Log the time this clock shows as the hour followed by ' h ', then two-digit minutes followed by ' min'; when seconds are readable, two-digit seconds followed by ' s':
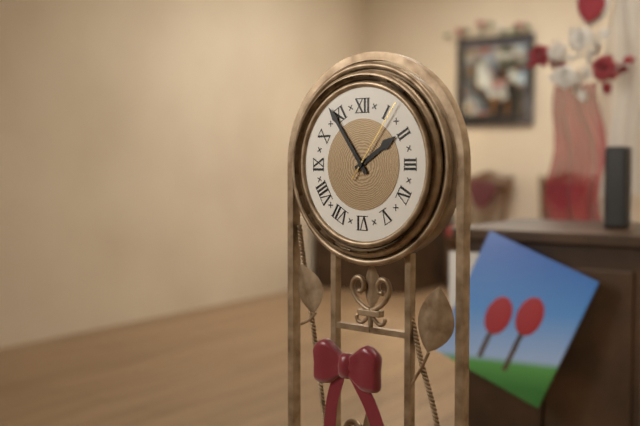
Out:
1 h 54 min 06 s
